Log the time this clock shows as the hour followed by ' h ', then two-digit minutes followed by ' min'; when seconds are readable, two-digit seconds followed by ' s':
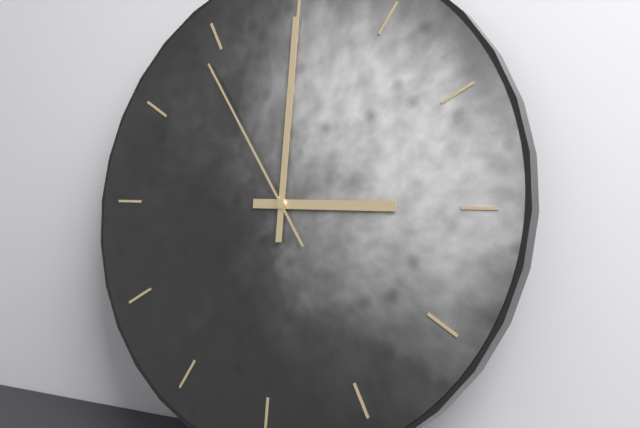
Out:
3 h 00 min 54 s
